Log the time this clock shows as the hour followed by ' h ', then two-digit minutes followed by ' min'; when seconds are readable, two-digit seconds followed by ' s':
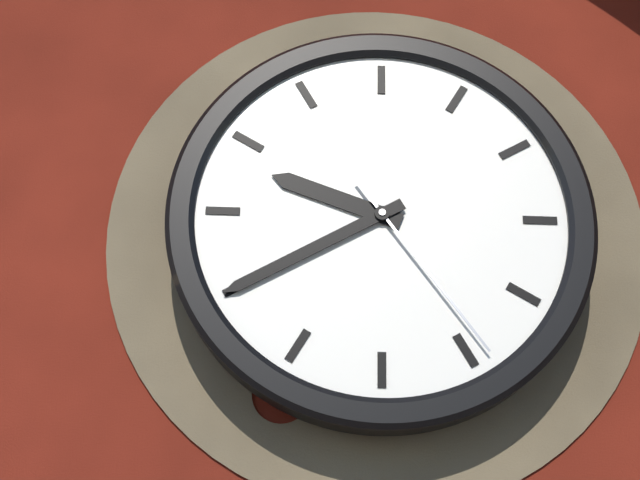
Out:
9 h 40 min 24 s
